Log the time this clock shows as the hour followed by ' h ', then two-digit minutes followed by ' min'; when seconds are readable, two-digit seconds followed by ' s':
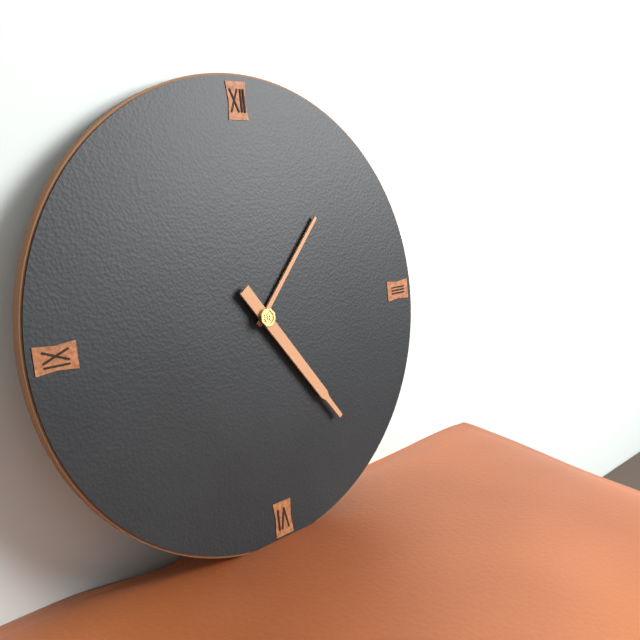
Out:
1 h 24 min
